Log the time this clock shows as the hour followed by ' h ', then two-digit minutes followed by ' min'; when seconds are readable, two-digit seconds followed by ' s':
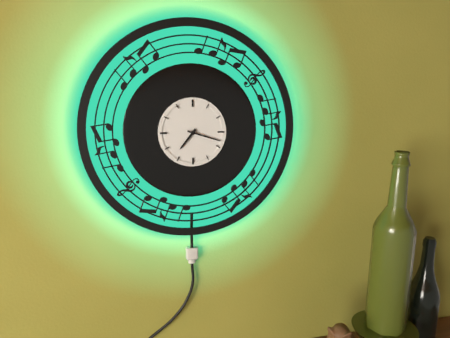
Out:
7 h 18 min
